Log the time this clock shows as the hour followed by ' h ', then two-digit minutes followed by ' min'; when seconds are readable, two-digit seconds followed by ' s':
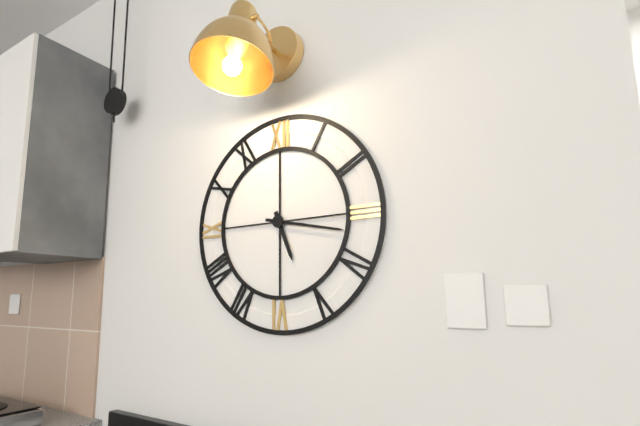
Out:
5 h 17 min
